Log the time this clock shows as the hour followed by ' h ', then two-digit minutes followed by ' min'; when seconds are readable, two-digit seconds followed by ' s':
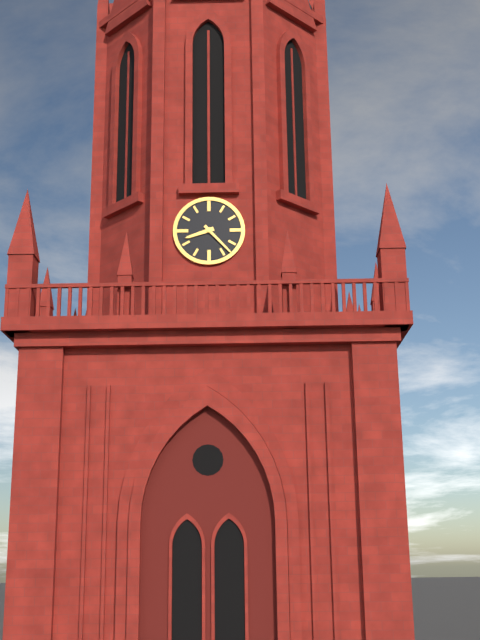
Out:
8 h 23 min
